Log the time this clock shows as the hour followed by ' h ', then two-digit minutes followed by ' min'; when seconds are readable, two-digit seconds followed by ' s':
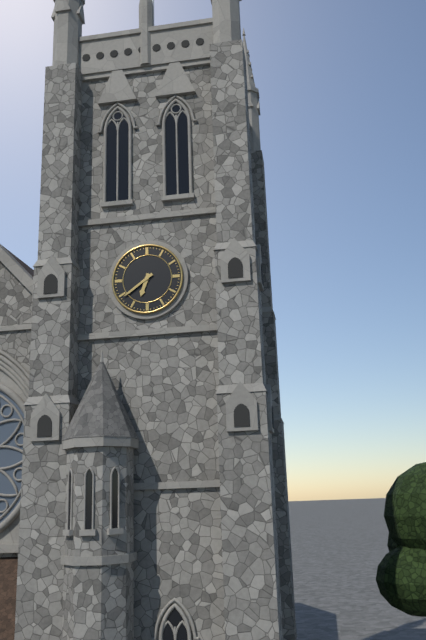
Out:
6 h 39 min
